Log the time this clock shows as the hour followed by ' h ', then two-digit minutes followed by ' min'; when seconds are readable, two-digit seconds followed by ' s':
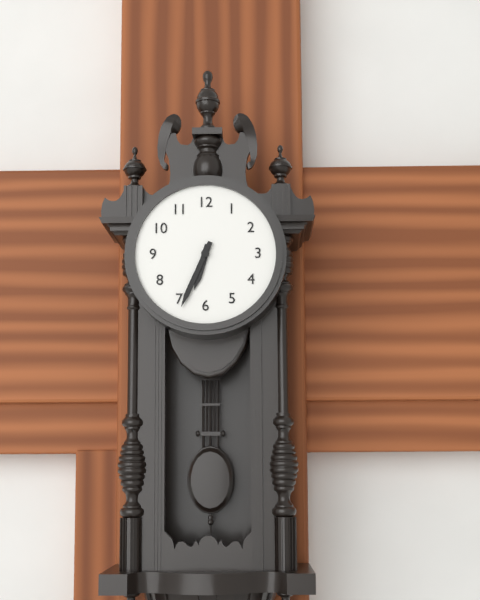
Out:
6 h 34 min
